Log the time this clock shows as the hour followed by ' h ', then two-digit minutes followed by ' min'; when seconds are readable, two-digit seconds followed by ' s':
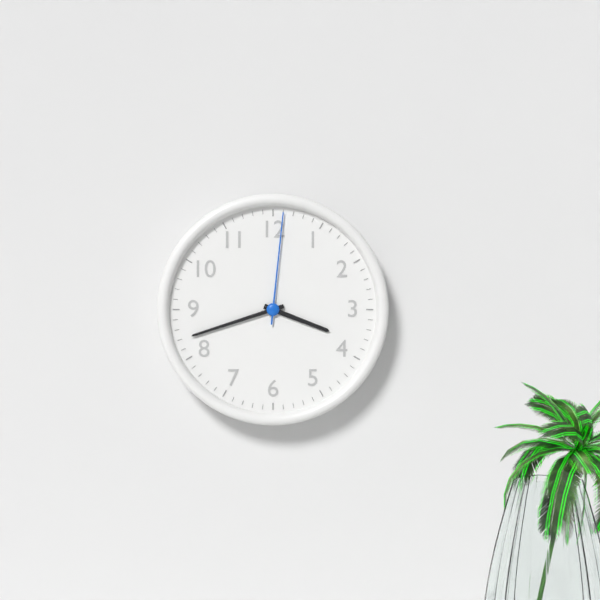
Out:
3 h 42 min 01 s
